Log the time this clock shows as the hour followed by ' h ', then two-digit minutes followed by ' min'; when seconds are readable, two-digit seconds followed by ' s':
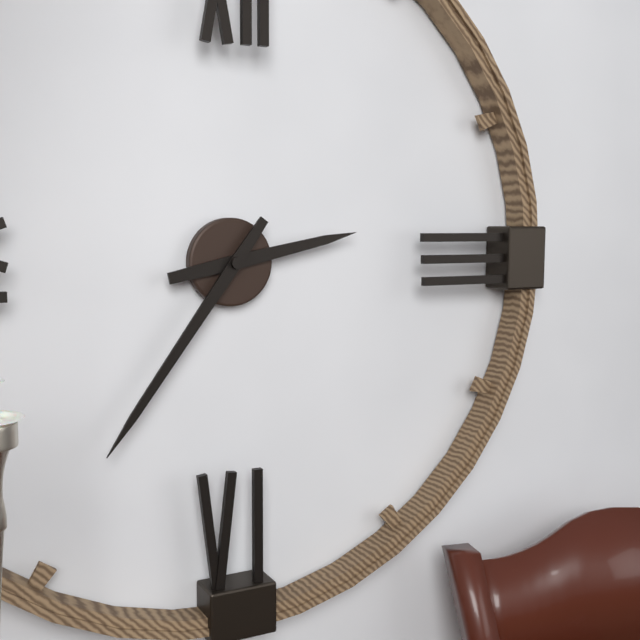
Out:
2 h 36 min
